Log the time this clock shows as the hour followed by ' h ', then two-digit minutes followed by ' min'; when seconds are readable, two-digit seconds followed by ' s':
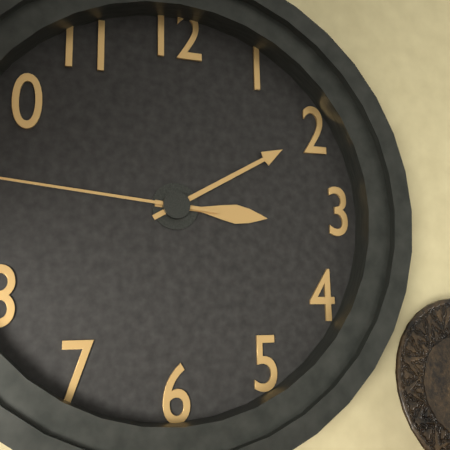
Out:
3 h 10 min
